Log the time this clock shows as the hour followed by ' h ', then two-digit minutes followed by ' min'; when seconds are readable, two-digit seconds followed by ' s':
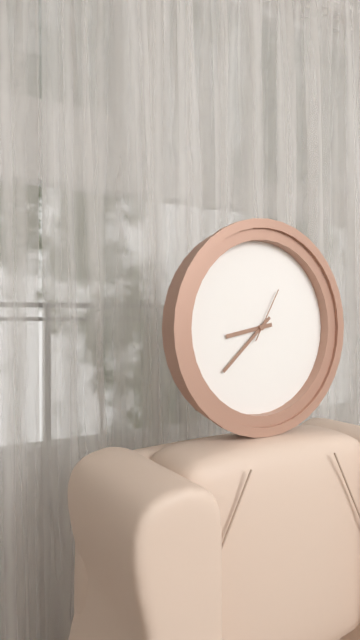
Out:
8 h 38 min 05 s
